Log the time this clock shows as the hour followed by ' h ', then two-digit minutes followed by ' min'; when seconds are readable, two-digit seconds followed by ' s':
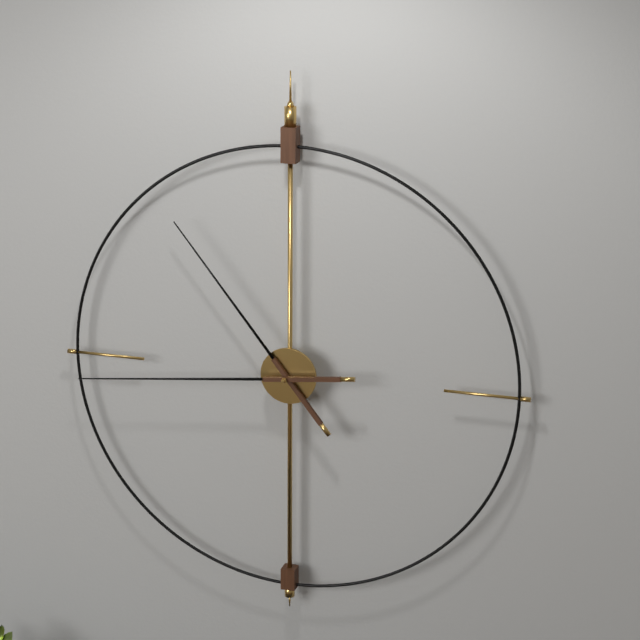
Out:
10 h 44 min
